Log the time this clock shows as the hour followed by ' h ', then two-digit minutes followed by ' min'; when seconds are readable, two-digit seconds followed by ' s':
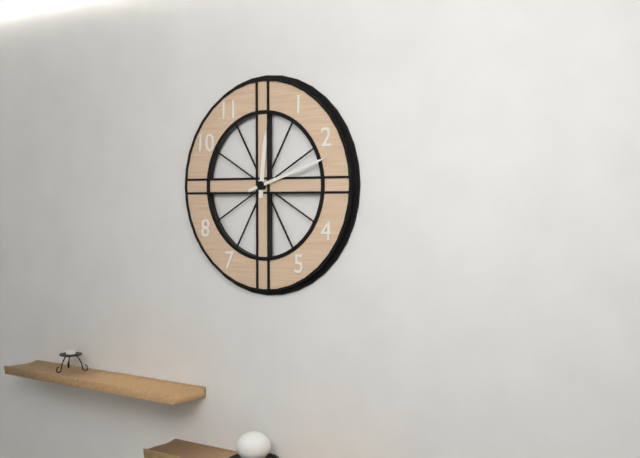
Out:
12 h 12 min
